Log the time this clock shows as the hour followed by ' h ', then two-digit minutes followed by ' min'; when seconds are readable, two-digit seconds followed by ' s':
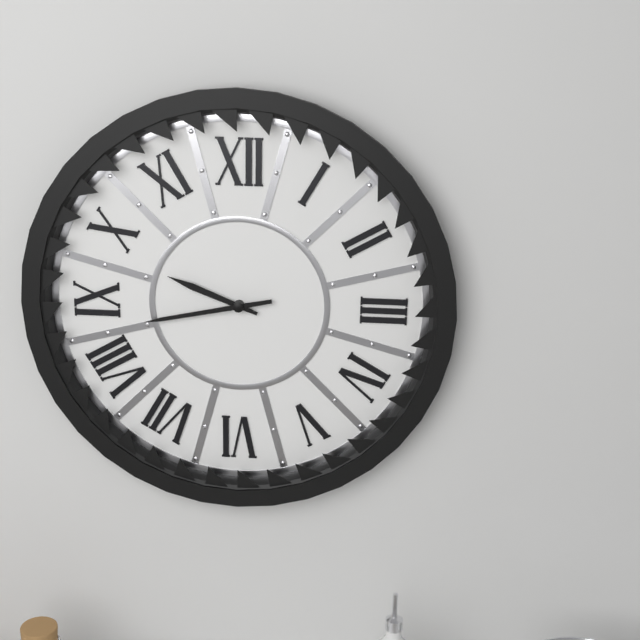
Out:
9 h 43 min
